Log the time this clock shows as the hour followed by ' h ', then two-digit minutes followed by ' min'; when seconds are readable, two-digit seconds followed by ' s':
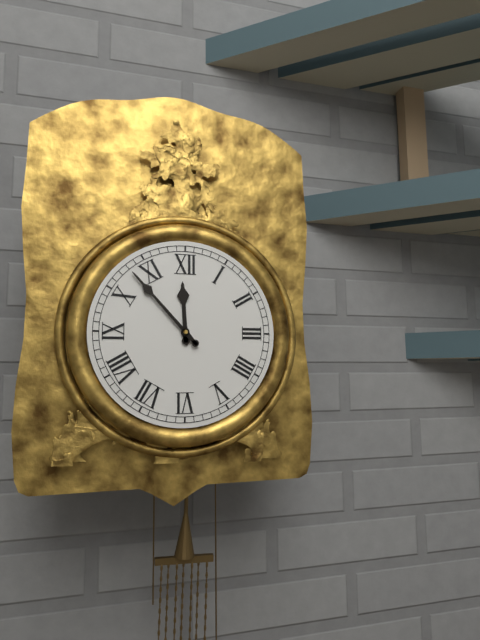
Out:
11 h 53 min
